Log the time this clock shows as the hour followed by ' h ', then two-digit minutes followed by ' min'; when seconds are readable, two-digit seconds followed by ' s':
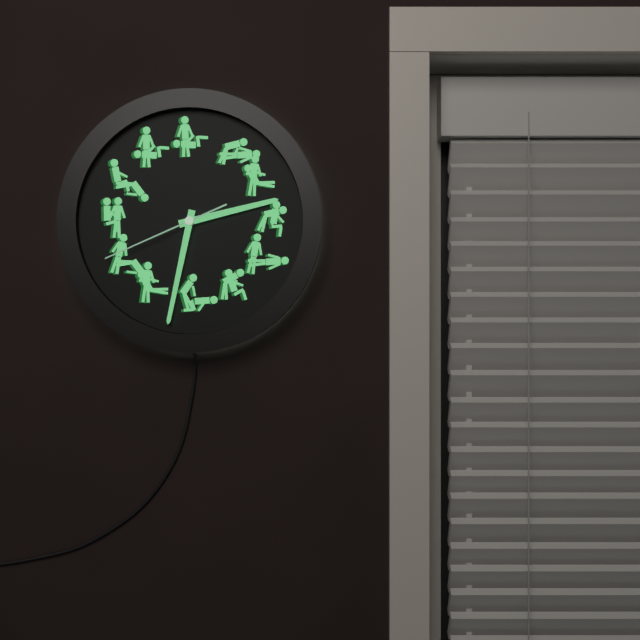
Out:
2 h 32 min 41 s
